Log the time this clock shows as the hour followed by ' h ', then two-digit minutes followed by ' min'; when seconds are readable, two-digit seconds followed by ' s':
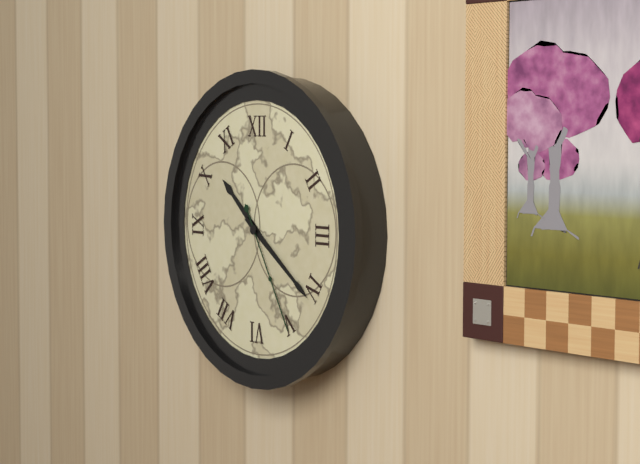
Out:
10 h 21 min 25 s
